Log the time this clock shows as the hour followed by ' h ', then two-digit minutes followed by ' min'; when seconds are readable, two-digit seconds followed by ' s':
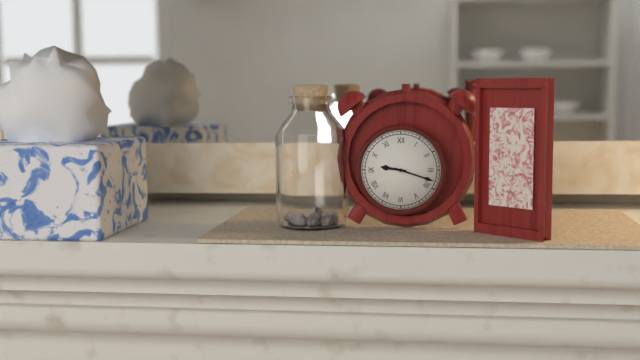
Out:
9 h 18 min
